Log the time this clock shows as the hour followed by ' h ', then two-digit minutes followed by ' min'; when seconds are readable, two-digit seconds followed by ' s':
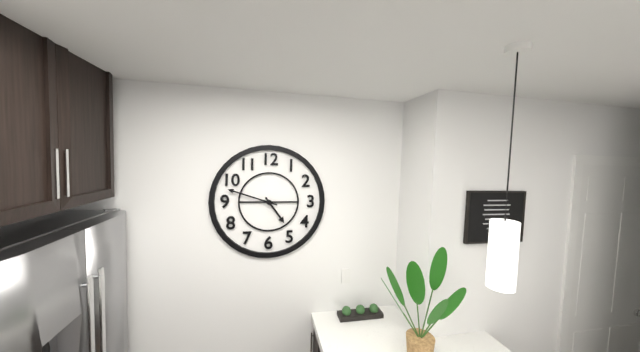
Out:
4 h 48 min
